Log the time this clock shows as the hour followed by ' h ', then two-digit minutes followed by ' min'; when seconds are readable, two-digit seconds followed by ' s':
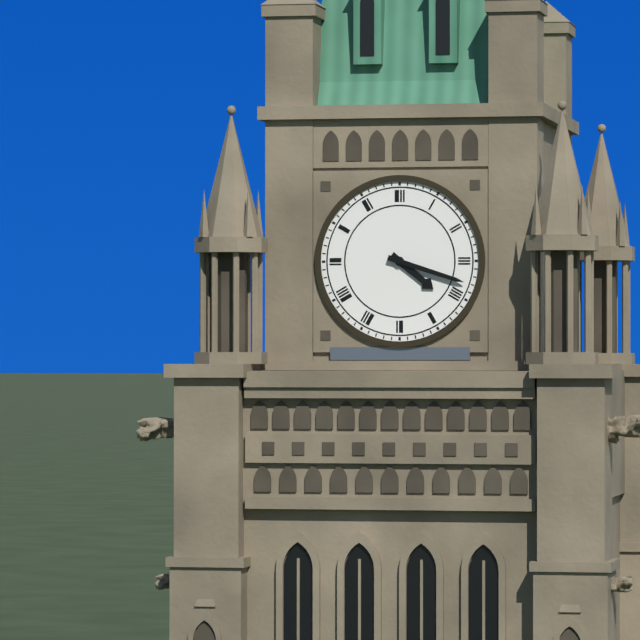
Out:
4 h 18 min
